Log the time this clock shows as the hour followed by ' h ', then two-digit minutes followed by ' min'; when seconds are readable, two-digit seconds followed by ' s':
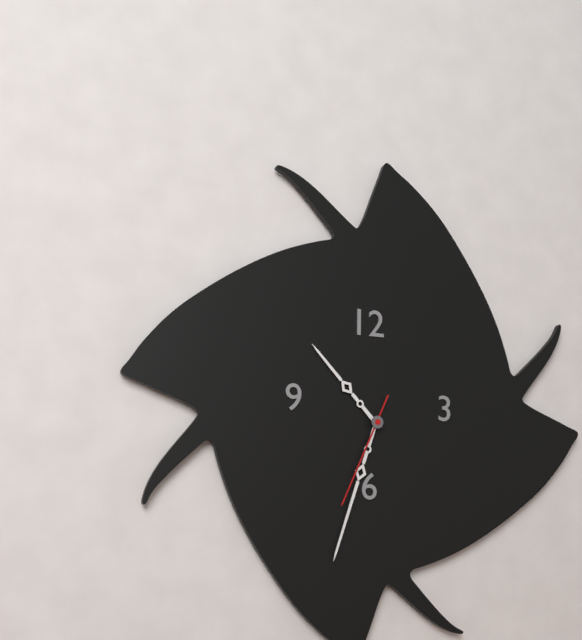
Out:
10 h 33 min 34 s
